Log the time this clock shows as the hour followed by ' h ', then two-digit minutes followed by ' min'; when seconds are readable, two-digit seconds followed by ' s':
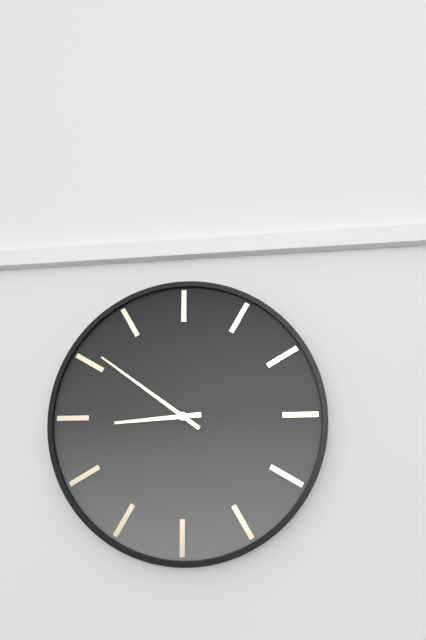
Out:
8 h 51 min
